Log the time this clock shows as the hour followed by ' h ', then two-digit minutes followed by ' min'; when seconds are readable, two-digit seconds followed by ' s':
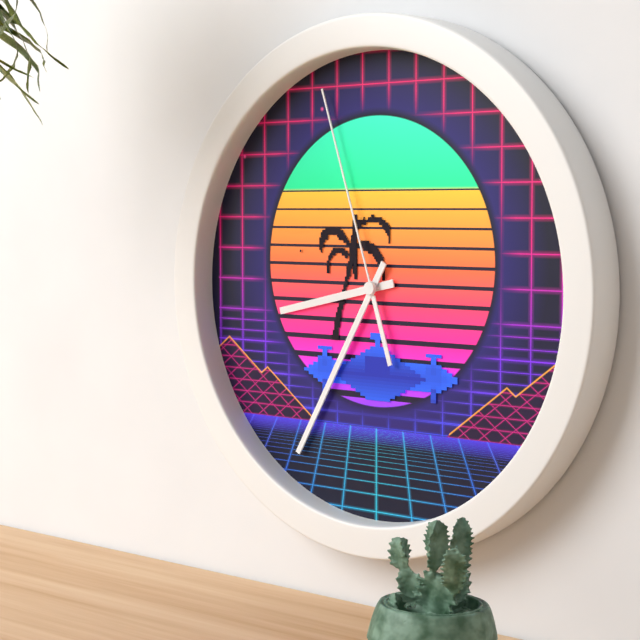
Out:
8 h 35 min 57 s
